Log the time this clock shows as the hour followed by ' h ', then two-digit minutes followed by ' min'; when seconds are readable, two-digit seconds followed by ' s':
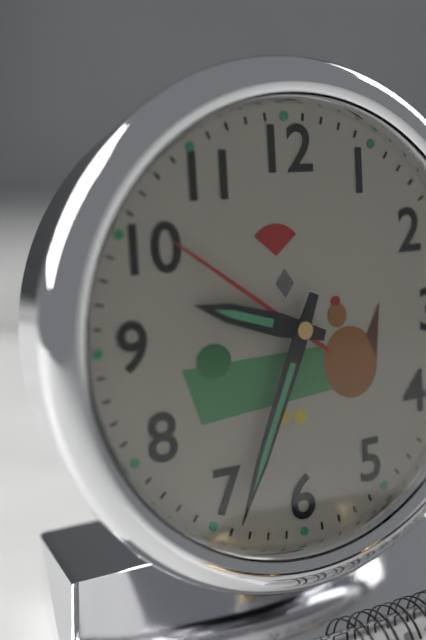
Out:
9 h 34 min
